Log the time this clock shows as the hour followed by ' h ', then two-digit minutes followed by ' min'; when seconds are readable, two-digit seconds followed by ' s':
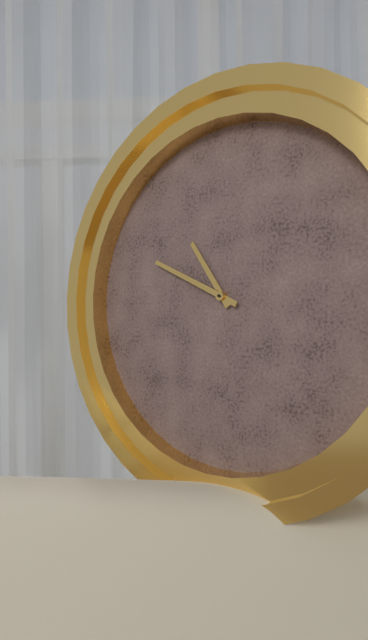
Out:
10 h 49 min
